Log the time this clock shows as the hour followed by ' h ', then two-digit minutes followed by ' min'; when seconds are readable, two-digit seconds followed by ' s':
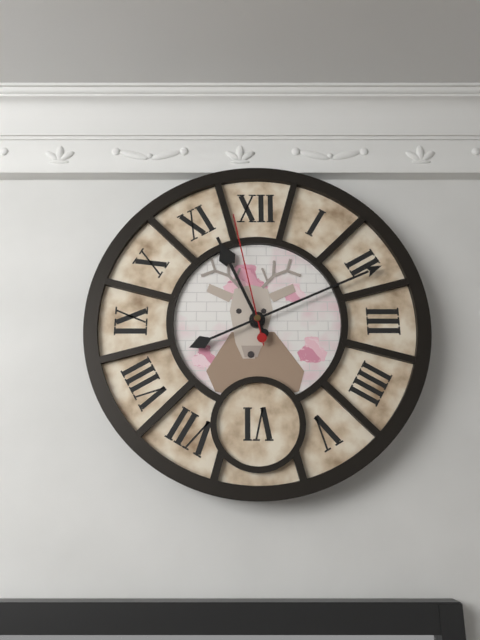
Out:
11 h 11 min 58 s
